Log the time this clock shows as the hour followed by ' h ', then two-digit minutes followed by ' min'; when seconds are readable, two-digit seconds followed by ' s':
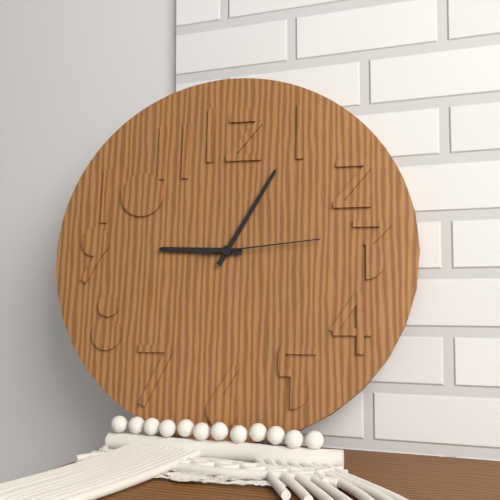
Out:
9 h 05 min 14 s
